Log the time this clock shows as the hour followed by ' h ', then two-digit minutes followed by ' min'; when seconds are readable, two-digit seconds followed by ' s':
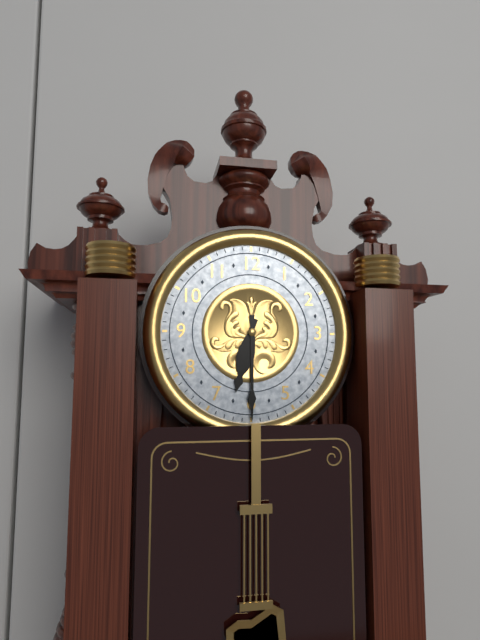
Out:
6 h 30 min
